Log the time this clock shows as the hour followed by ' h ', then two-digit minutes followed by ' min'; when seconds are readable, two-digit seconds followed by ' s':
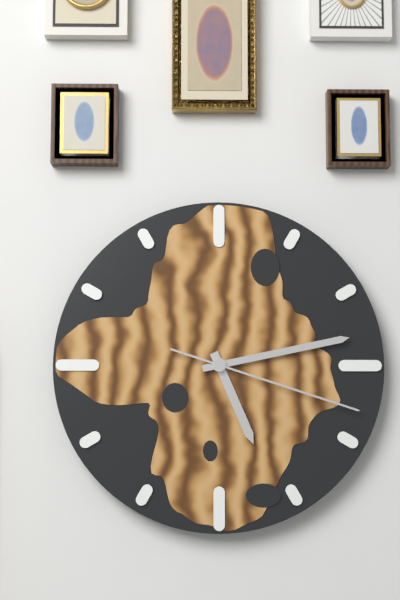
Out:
5 h 13 min 18 s
